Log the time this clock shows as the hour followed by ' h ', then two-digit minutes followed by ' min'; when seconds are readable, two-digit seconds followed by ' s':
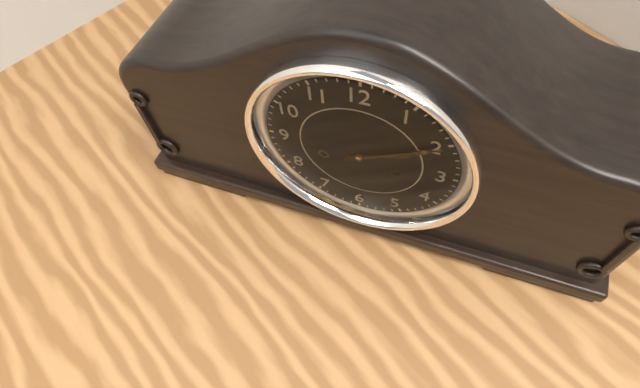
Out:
2 h 10 min
